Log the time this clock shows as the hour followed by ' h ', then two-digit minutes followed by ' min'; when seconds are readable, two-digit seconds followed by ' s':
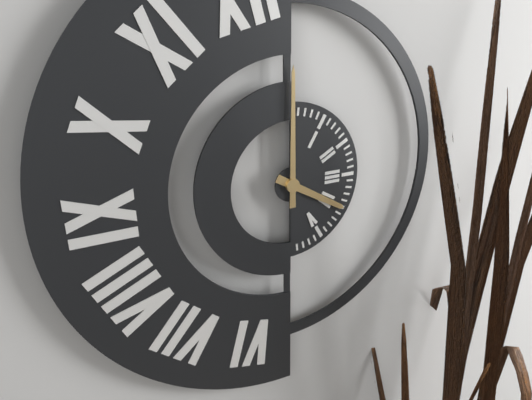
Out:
4 h 00 min
